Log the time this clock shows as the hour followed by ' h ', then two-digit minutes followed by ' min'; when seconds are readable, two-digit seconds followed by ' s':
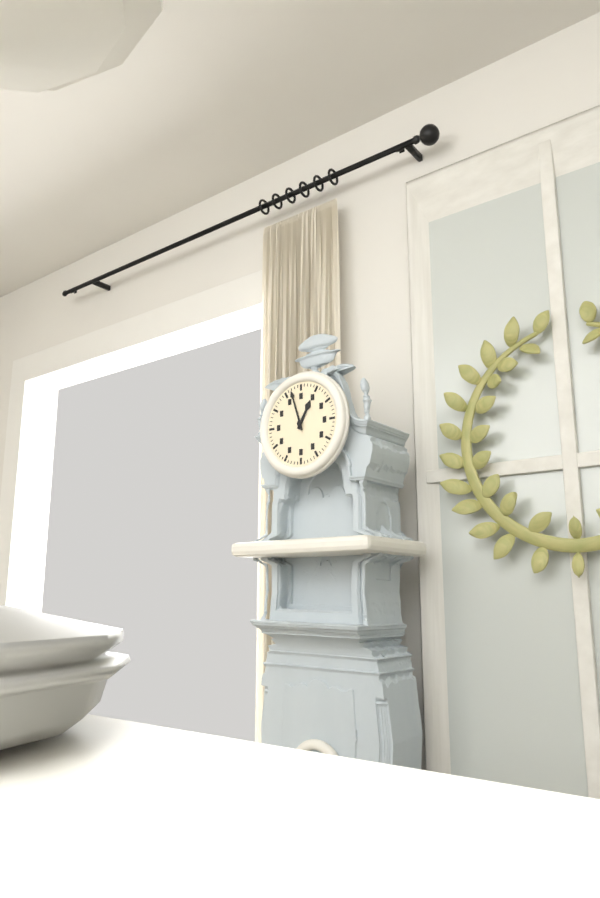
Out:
12 h 57 min
